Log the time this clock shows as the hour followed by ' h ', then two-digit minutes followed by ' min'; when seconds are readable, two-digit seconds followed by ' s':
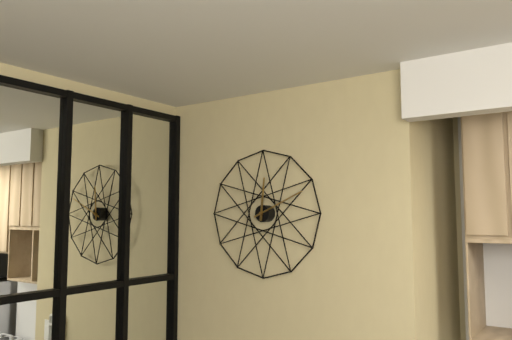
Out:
12 h 11 min
